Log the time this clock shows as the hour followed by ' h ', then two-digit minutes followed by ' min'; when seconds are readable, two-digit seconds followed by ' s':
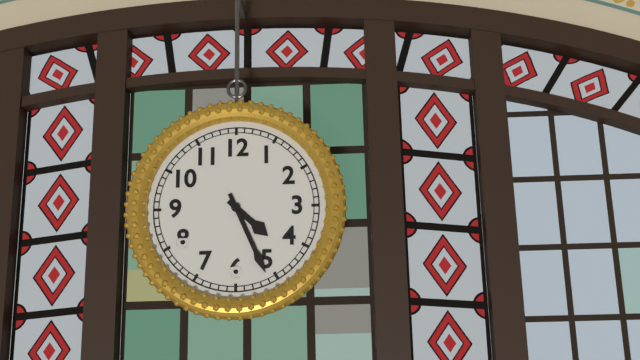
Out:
4 h 26 min
